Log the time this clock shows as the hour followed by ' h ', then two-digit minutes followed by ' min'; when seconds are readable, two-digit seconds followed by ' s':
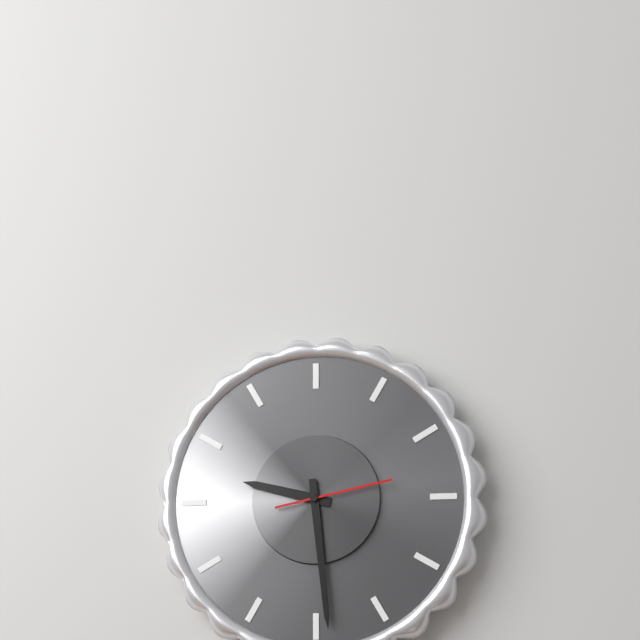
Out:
9 h 29 min 13 s
